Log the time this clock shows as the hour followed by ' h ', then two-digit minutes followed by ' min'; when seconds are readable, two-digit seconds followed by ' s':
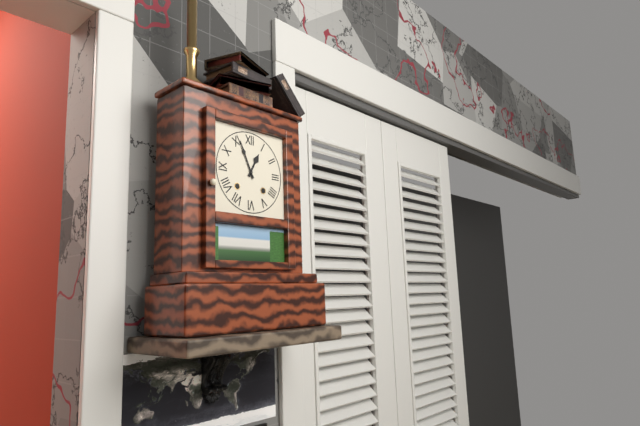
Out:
12 h 56 min
